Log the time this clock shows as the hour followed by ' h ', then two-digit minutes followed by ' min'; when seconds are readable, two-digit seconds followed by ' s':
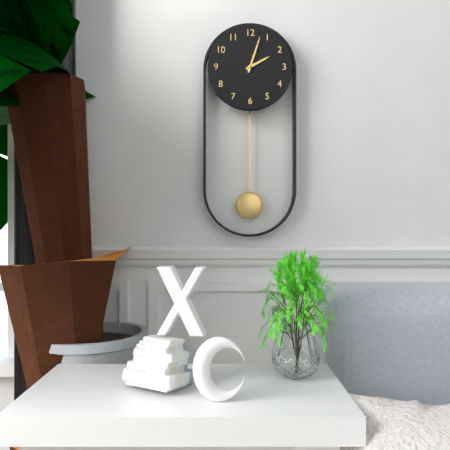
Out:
2 h 03 min
